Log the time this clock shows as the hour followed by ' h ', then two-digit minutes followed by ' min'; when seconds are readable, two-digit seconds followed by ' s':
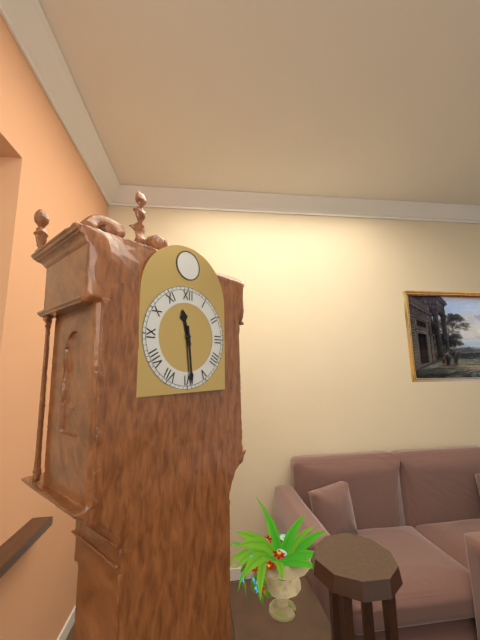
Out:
11 h 29 min
